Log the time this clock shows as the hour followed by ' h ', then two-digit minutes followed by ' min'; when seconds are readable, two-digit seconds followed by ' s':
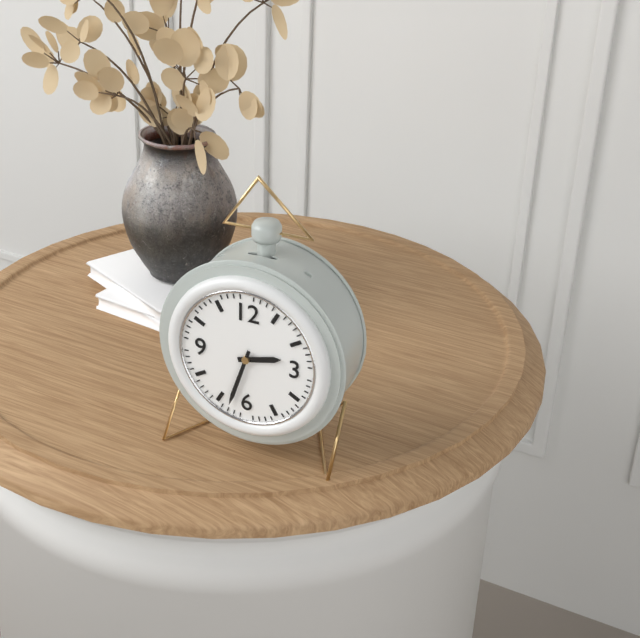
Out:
2 h 33 min
